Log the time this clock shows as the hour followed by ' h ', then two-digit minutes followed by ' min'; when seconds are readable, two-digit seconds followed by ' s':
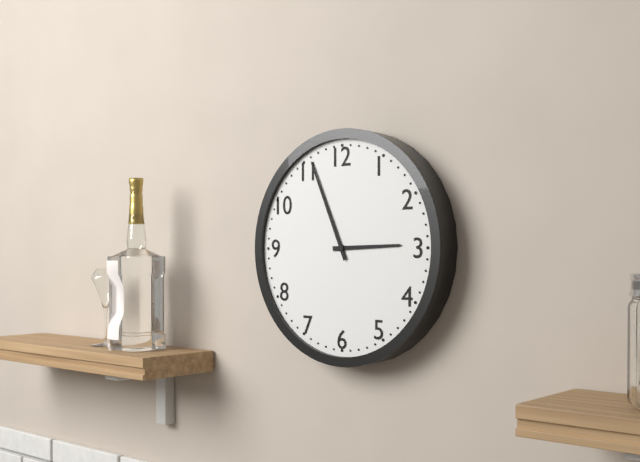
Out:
2 h 56 min
